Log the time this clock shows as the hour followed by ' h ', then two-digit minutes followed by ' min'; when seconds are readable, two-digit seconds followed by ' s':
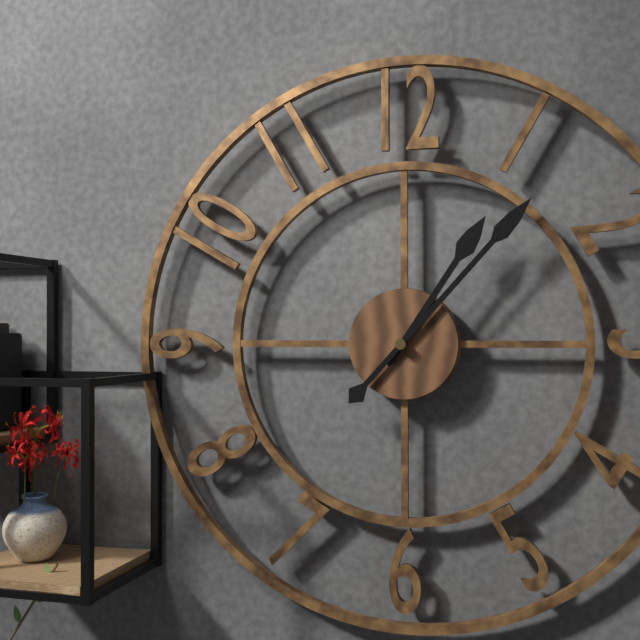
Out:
1 h 07 min
